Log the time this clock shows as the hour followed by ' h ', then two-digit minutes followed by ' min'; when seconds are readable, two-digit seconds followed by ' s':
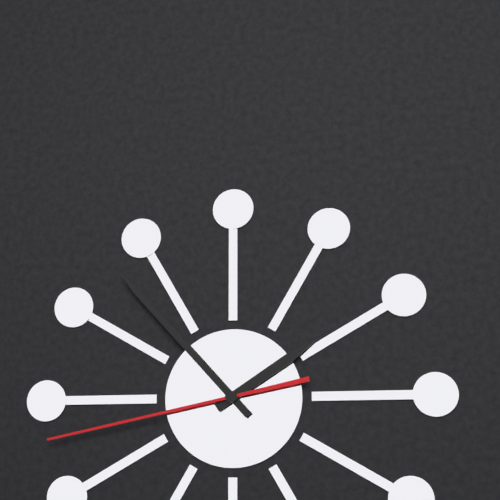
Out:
1 h 53 min 43 s
